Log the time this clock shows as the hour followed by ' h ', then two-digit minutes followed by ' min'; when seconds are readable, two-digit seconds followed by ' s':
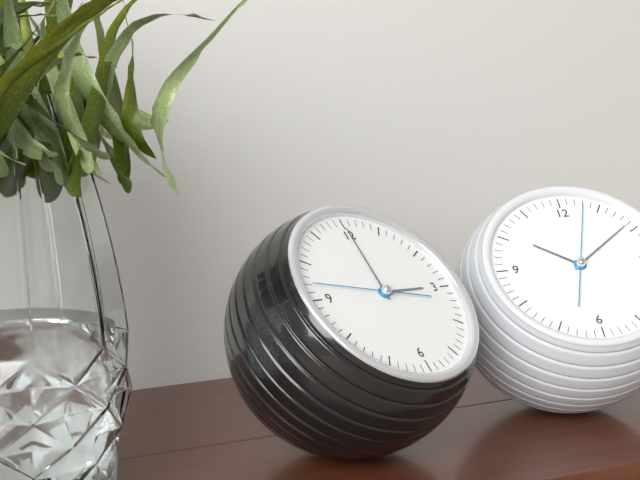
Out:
3 h 00 min 47 s
